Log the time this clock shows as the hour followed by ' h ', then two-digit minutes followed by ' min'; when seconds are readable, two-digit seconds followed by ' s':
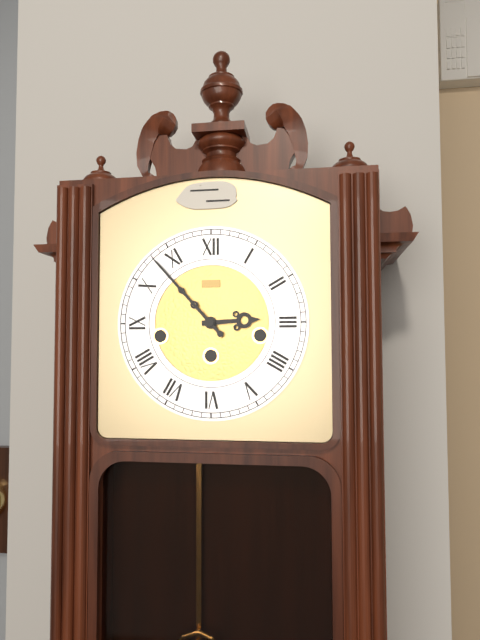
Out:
2 h 53 min
